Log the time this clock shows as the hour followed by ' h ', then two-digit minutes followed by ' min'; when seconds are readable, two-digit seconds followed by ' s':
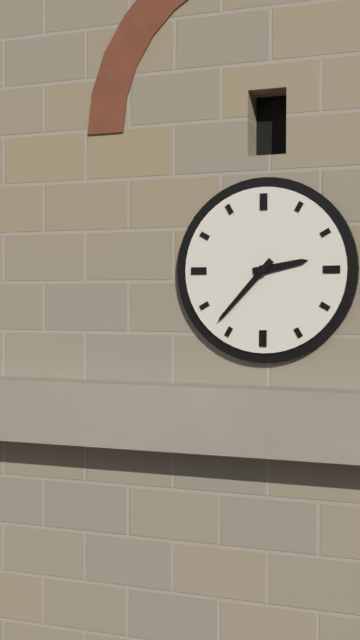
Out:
2 h 37 min
